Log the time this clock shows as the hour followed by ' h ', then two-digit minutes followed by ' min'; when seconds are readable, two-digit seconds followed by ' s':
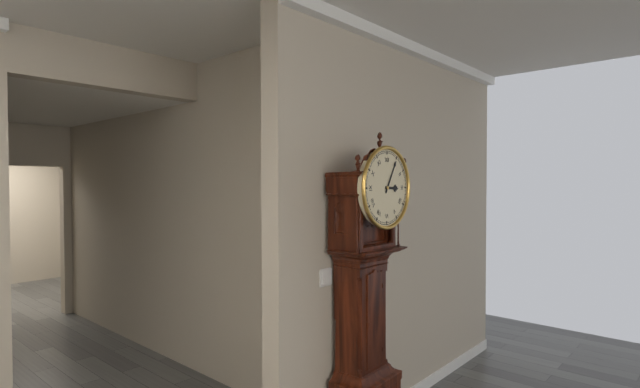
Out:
3 h 05 min
